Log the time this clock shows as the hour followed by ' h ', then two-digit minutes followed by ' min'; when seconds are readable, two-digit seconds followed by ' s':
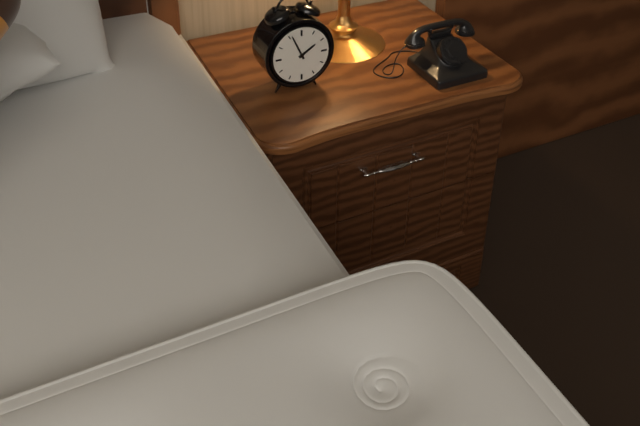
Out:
1 h 56 min
